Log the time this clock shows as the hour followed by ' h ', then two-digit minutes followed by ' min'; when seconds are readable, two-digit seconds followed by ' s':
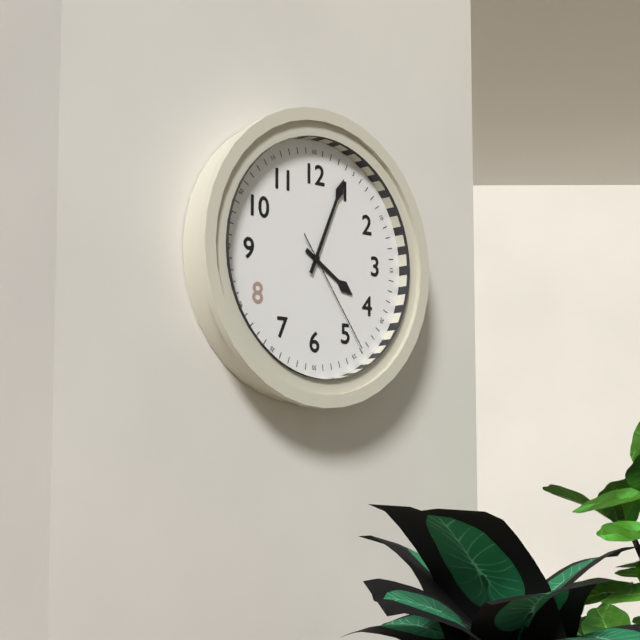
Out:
4 h 04 min 24 s
